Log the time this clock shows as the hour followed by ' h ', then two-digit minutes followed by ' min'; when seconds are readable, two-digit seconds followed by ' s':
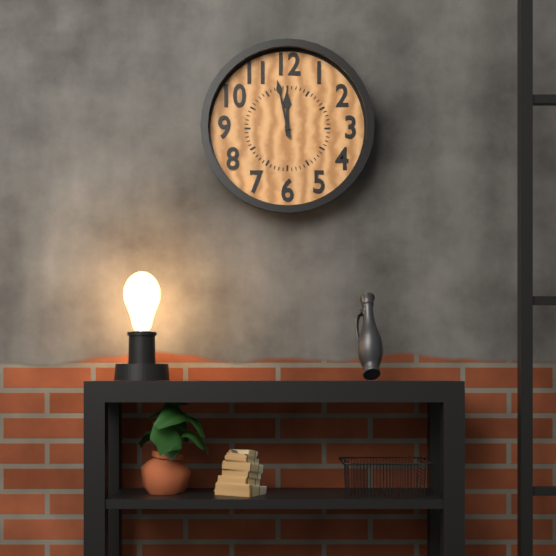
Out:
11 h 58 min
